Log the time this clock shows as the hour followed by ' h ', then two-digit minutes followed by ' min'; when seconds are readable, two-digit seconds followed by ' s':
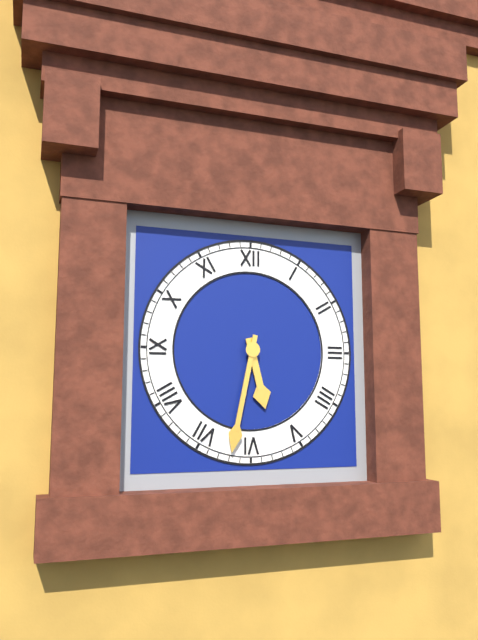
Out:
5 h 32 min
